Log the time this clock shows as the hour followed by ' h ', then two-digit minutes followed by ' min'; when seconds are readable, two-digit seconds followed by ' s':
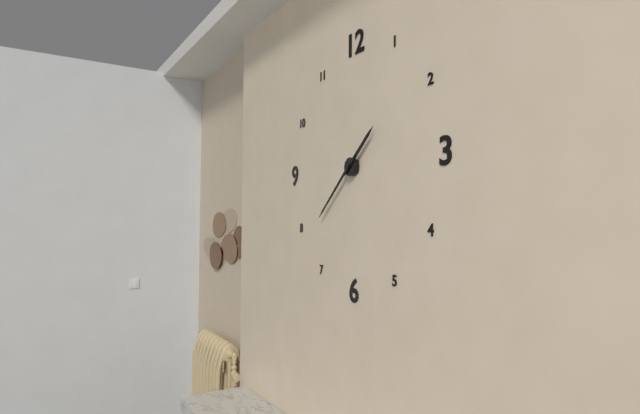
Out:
1 h 38 min
